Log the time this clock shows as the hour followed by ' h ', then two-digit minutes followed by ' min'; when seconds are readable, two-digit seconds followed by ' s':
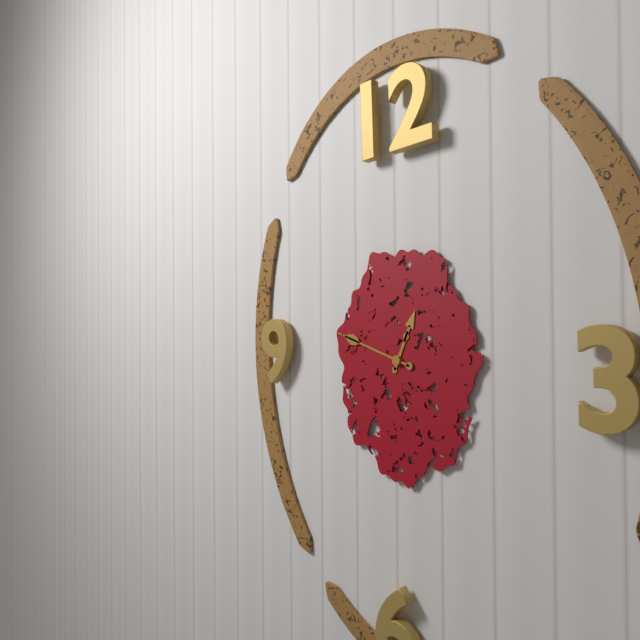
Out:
12 h 48 min
